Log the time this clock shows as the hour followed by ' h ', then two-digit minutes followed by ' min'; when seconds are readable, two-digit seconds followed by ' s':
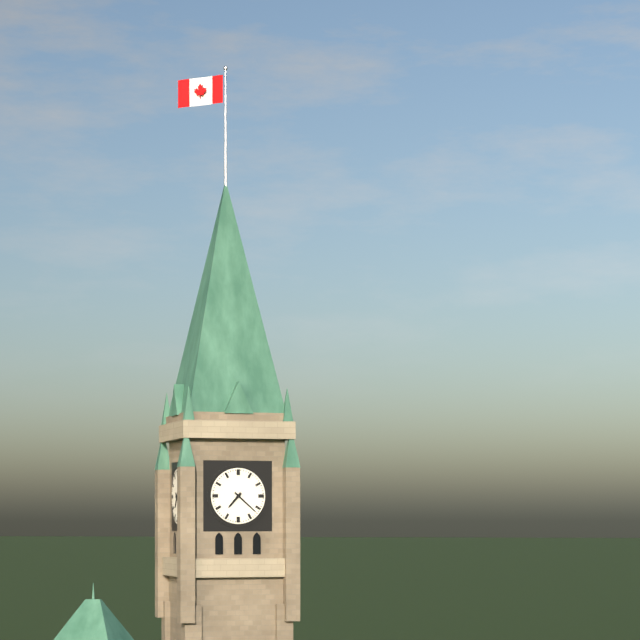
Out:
7 h 22 min
